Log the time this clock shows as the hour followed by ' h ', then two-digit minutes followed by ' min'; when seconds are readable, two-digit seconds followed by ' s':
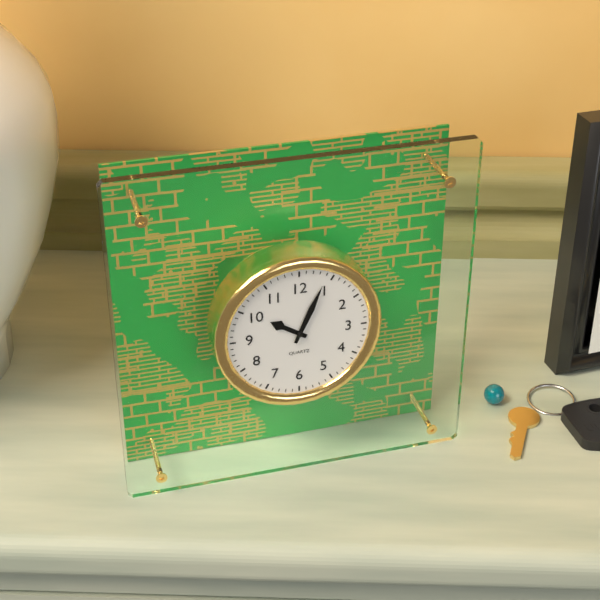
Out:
10 h 04 min
